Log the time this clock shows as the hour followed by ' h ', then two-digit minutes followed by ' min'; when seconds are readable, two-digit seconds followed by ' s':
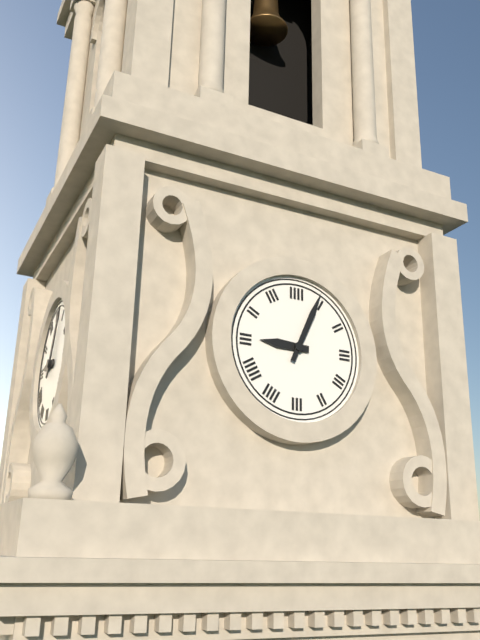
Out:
9 h 04 min
